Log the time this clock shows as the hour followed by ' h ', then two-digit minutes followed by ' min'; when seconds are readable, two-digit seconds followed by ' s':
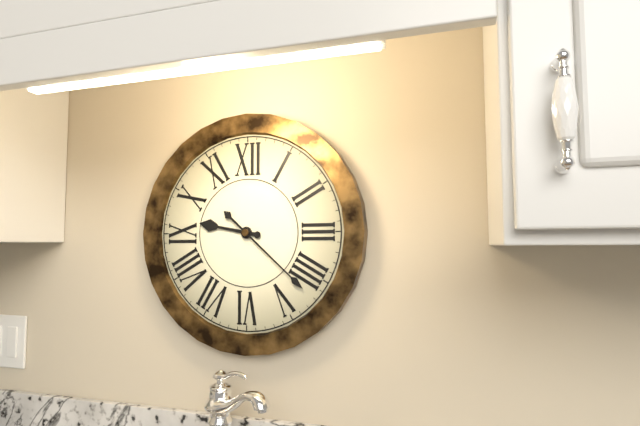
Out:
9 h 22 min
